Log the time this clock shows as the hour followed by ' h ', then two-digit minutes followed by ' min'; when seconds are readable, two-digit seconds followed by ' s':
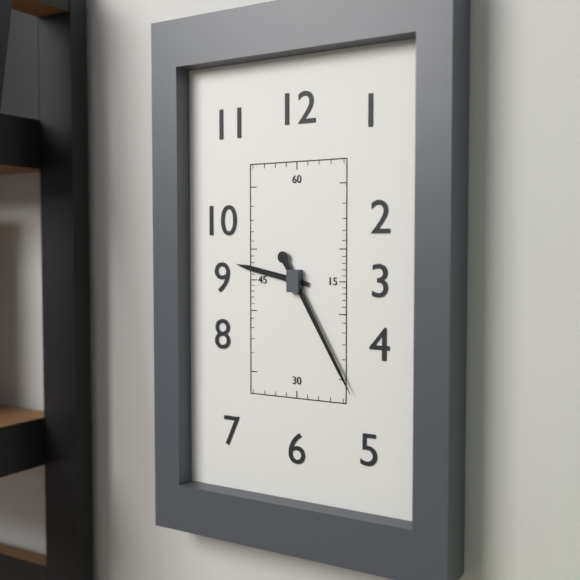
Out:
9 h 25 min
